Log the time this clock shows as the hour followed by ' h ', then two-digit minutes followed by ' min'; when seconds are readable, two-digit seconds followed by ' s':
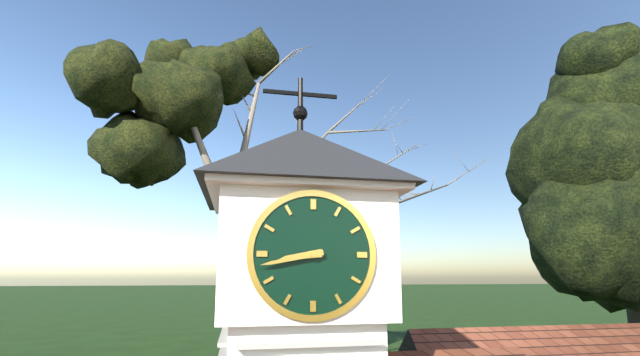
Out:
8 h 43 min
